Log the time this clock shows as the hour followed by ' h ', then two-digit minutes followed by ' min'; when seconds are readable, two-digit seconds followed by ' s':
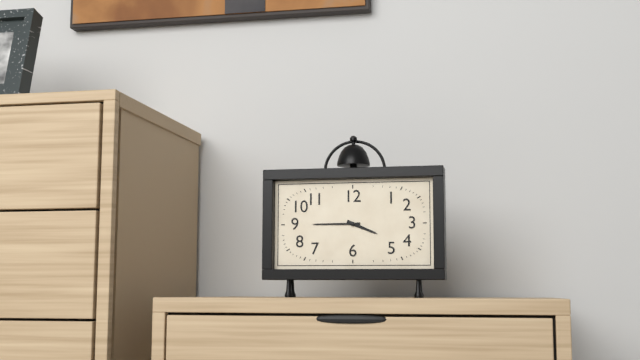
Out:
3 h 45 min
